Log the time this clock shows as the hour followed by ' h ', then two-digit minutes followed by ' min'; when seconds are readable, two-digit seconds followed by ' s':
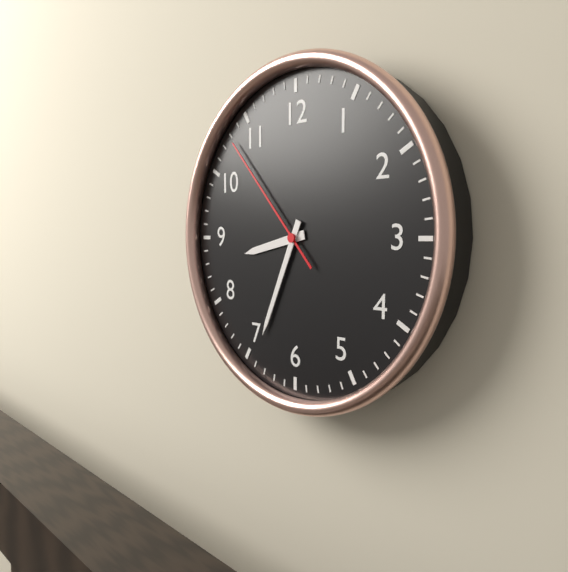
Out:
8 h 34 min 53 s
